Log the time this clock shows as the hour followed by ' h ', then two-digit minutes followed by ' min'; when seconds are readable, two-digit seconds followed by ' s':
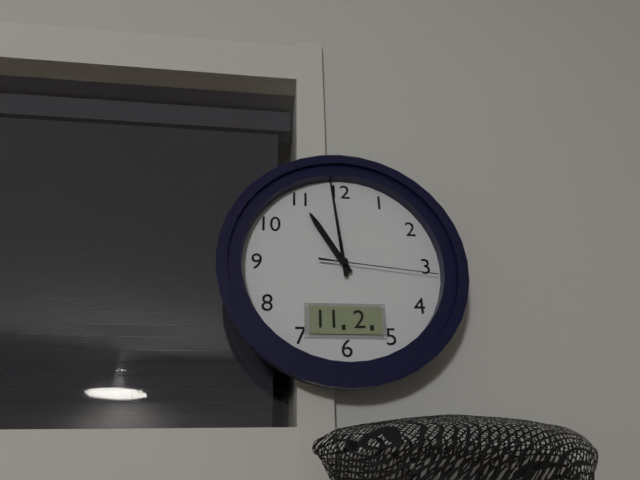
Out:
10 h 59 min 16 s
